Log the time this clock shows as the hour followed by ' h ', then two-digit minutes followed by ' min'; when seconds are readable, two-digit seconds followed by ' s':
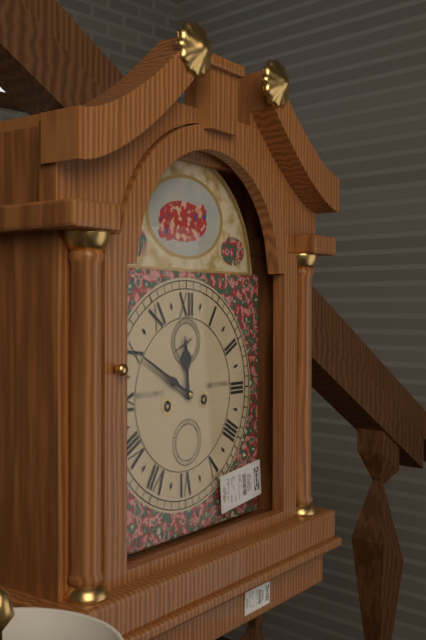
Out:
11 h 50 min
